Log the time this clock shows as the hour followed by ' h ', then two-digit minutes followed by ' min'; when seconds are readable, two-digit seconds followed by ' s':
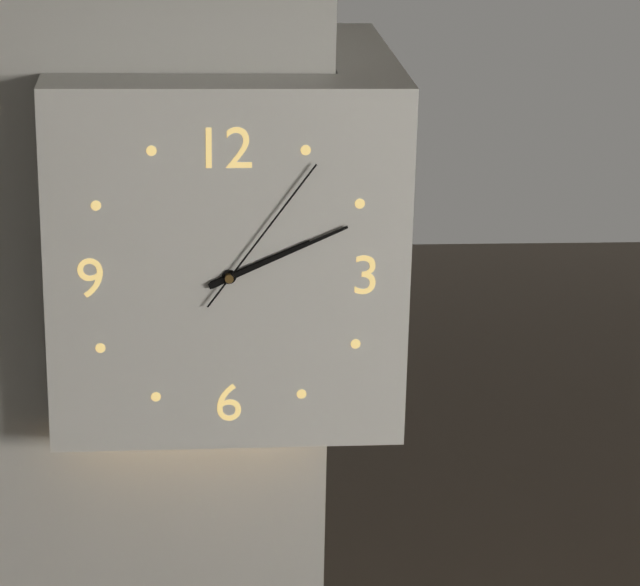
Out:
2 h 11 min 06 s
